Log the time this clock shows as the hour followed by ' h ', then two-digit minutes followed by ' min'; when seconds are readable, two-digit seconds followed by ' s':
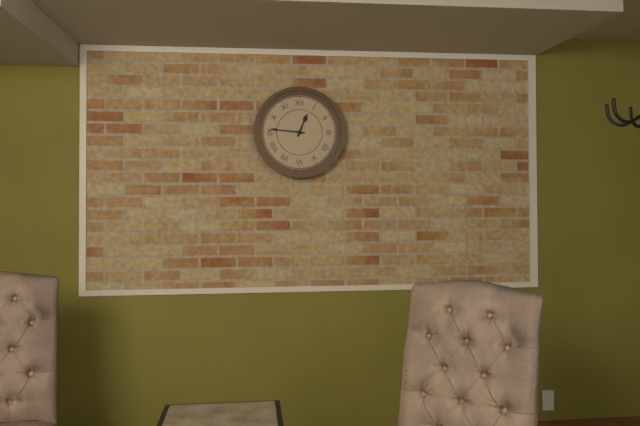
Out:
12 h 46 min
